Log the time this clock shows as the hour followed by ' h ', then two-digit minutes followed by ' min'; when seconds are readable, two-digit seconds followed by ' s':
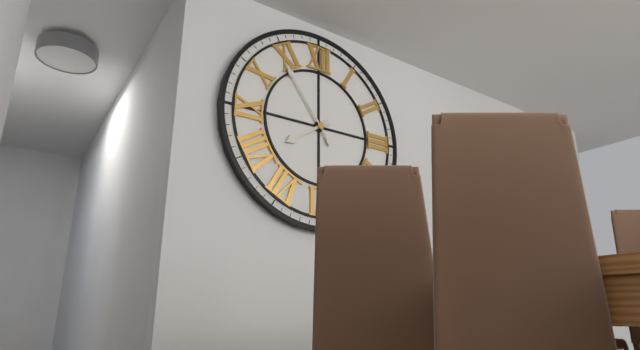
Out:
7 h 54 min
